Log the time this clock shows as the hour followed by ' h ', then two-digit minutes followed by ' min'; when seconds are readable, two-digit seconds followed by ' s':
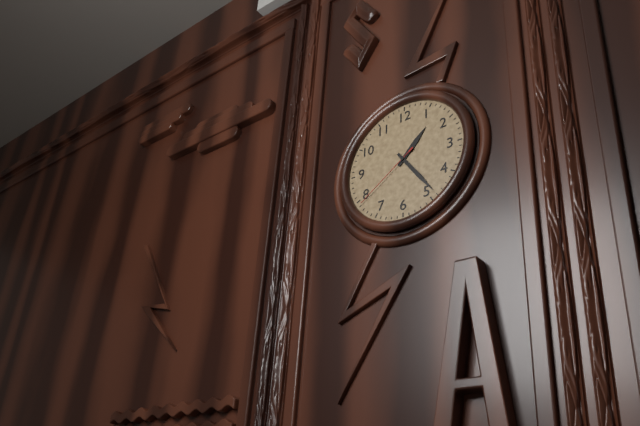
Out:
1 h 24 min 39 s
